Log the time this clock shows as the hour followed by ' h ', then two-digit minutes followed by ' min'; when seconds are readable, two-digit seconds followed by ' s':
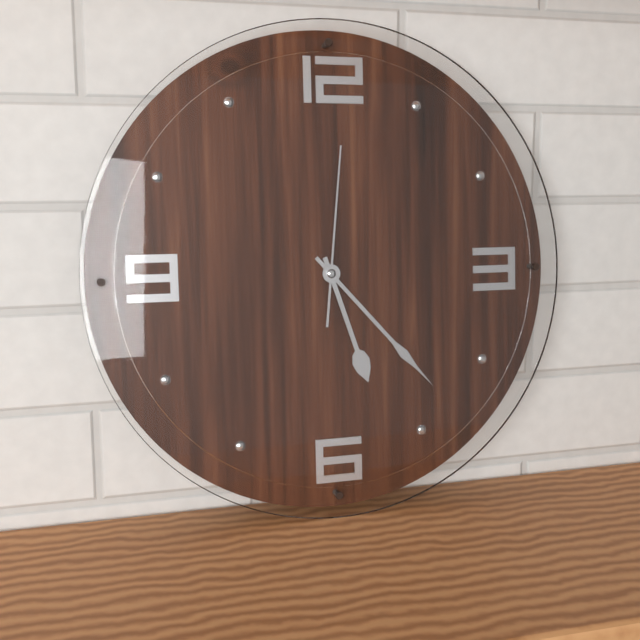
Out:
5 h 23 min 01 s
